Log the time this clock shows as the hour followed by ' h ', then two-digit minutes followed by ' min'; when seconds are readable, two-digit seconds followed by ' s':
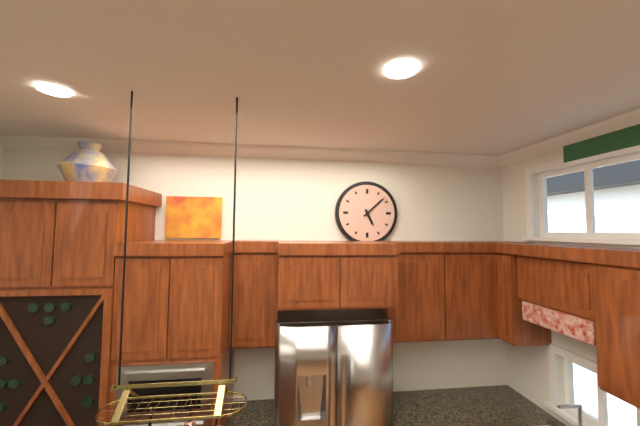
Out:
5 h 08 min
